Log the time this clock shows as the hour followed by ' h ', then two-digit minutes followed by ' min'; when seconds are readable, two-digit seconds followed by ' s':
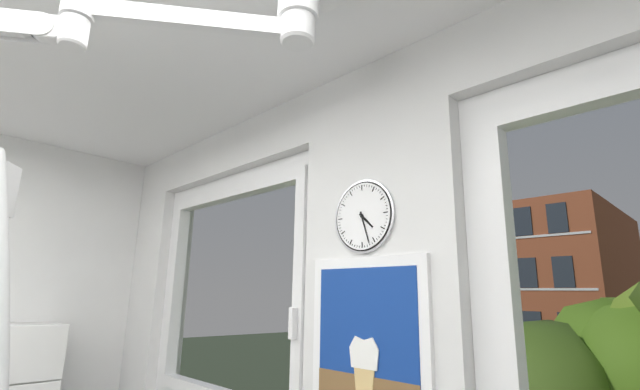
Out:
4 h 27 min
